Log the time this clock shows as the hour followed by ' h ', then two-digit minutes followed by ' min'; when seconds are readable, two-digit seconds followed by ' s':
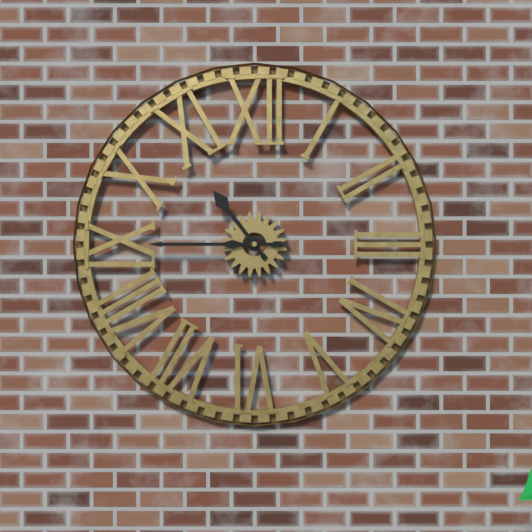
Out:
10 h 45 min
